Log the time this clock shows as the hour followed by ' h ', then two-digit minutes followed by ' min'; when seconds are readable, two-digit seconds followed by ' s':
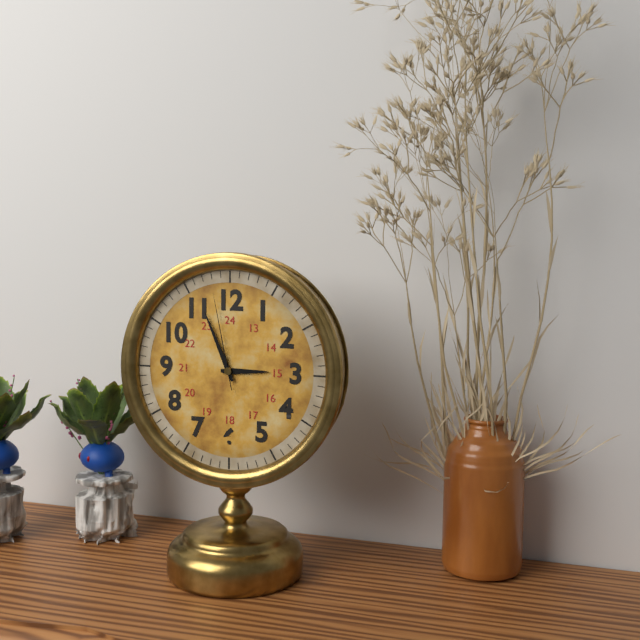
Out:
2 h 56 min 58 s
